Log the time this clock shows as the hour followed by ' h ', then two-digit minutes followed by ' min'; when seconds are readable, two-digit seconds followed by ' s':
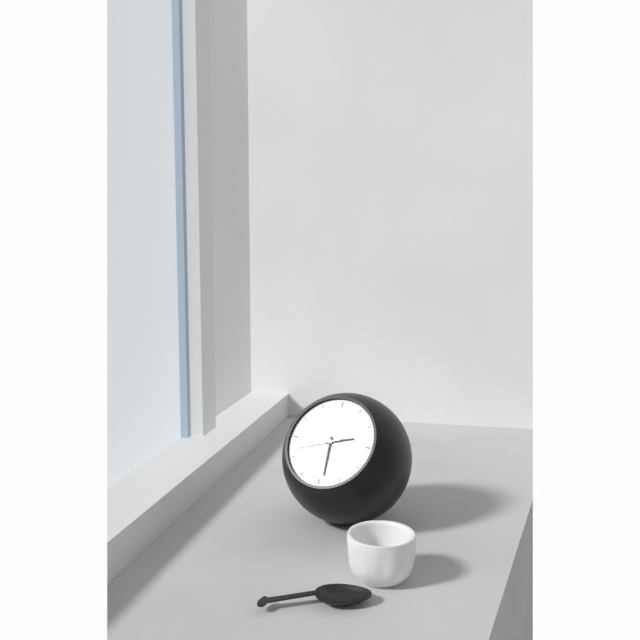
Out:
2 h 29 min 42 s
